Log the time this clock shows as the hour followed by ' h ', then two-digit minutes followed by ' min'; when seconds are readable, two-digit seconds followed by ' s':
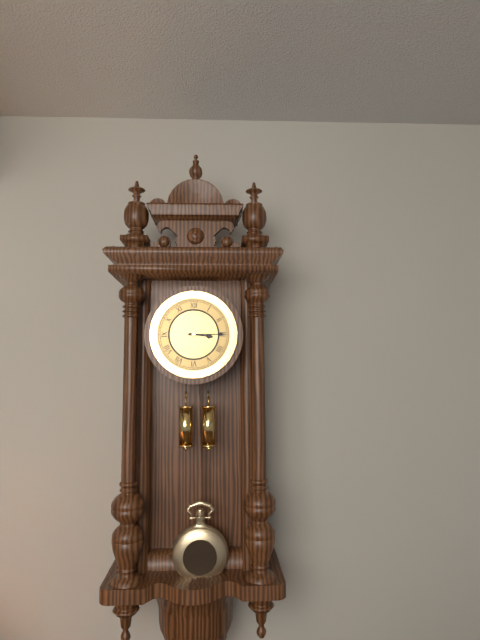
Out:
3 h 15 min
